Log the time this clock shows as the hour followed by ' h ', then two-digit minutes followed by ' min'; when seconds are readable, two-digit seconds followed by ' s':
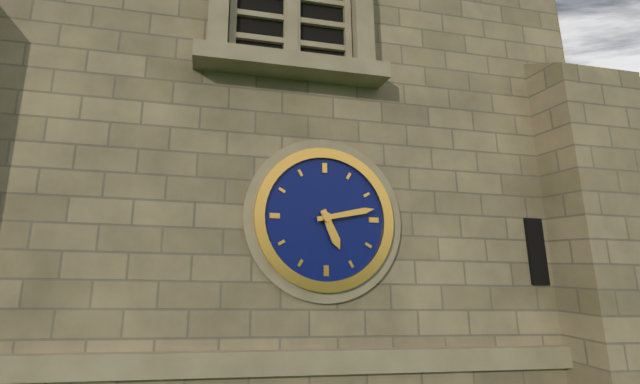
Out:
5 h 13 min
